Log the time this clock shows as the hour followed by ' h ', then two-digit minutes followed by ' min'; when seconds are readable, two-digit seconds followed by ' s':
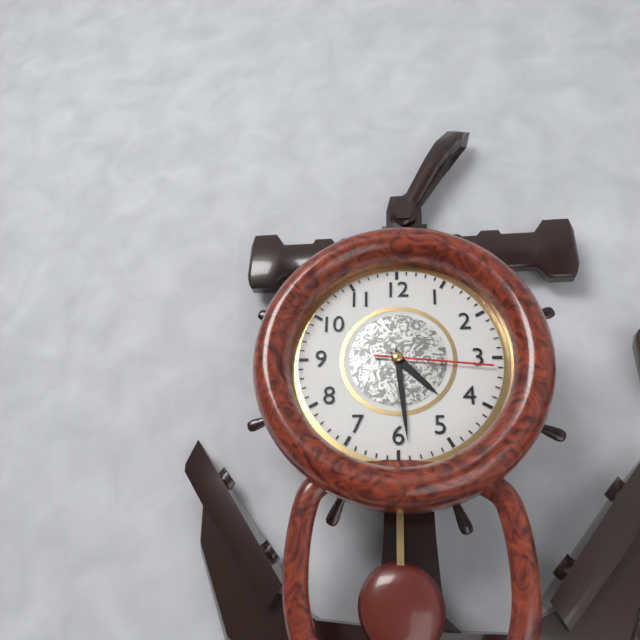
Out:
4 h 29 min 16 s
